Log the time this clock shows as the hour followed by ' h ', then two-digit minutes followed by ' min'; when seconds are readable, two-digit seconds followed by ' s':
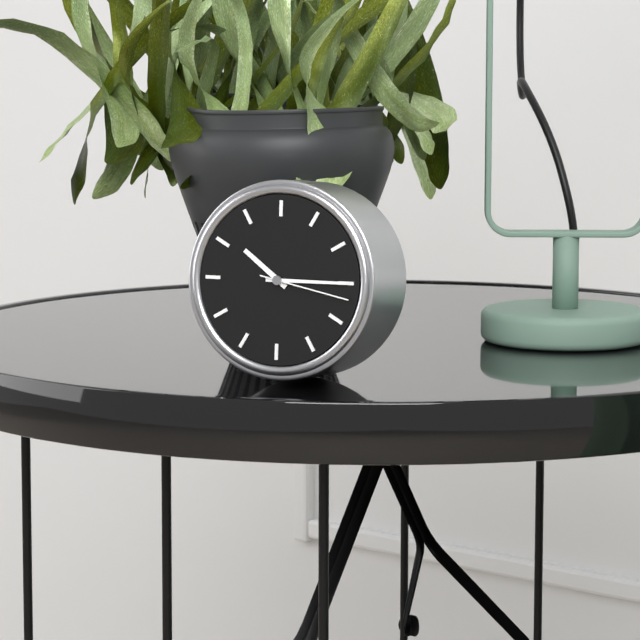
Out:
10 h 15 min 17 s
